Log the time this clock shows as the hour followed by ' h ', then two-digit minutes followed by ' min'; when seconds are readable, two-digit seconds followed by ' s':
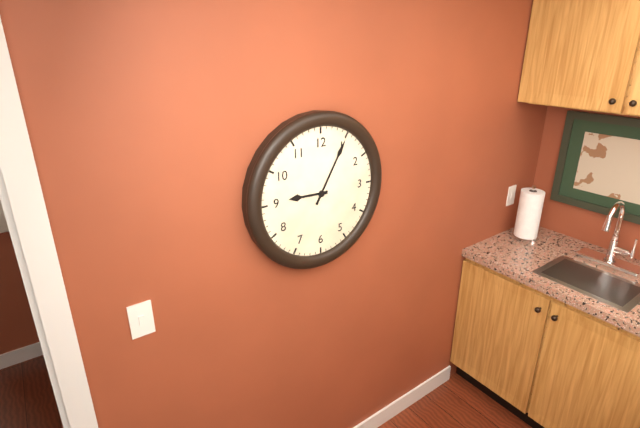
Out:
9 h 05 min
